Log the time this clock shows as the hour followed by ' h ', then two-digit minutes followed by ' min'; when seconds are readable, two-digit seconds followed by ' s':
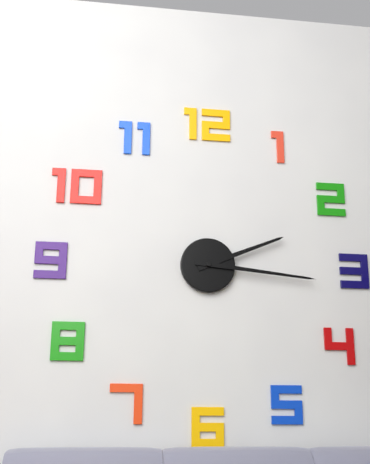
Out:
2 h 16 min
